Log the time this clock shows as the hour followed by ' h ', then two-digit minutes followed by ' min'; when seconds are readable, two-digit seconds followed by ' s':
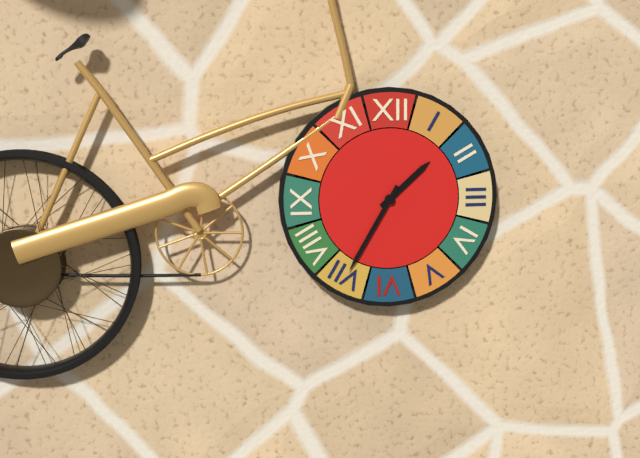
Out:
1 h 35 min
